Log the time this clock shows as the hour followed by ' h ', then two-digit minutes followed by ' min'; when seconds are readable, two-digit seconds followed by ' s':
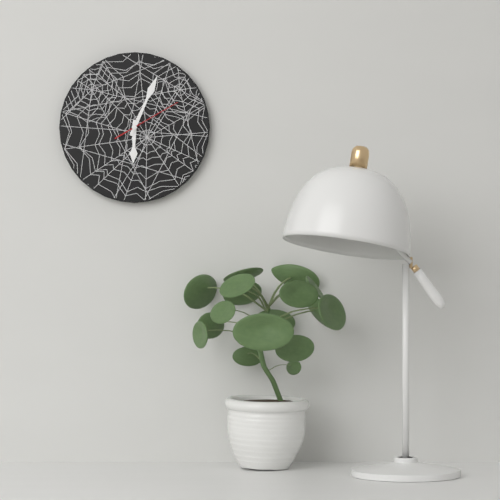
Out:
6 h 04 min 10 s
